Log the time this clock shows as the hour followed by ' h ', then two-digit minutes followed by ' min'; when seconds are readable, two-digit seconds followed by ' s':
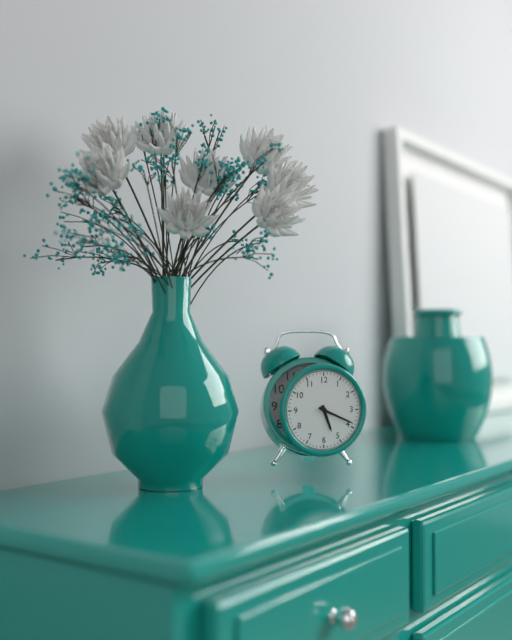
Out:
5 h 19 min
